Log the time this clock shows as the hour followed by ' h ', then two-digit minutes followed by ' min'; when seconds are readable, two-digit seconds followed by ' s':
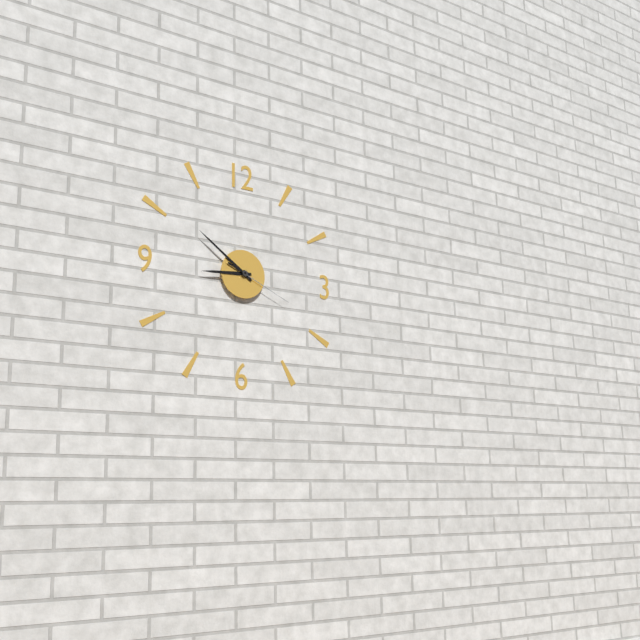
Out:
8 h 51 min 19 s
